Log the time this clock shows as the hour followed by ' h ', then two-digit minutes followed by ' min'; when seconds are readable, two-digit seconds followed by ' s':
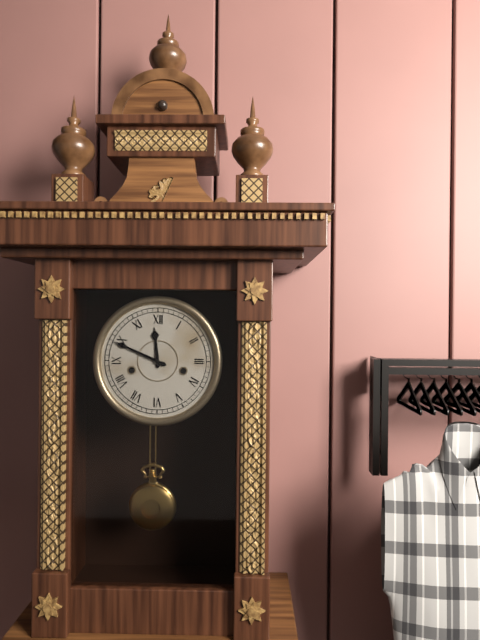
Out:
11 h 49 min
